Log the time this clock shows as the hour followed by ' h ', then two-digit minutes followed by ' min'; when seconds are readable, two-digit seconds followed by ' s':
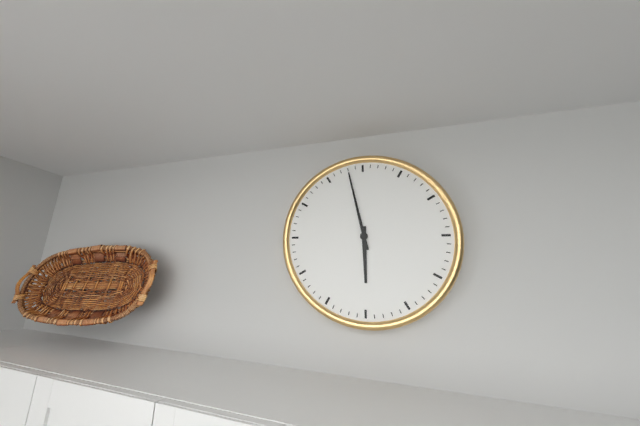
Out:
5 h 58 min
